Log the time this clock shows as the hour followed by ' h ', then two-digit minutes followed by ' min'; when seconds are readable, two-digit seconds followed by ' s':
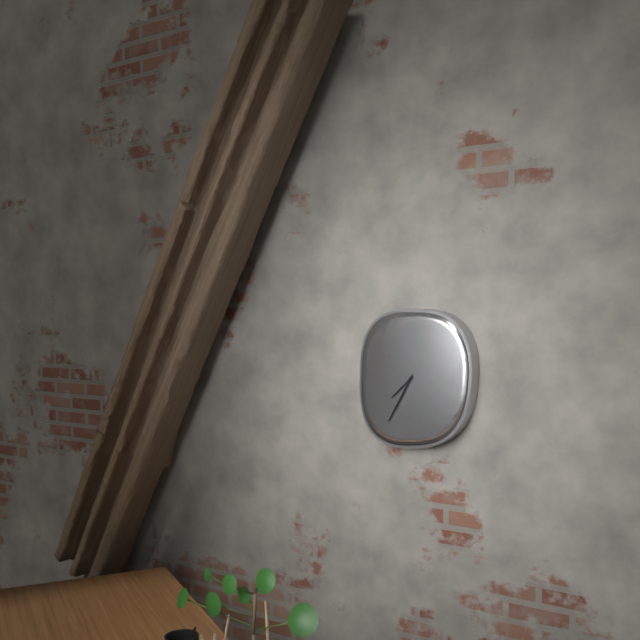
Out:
7 h 35 min
